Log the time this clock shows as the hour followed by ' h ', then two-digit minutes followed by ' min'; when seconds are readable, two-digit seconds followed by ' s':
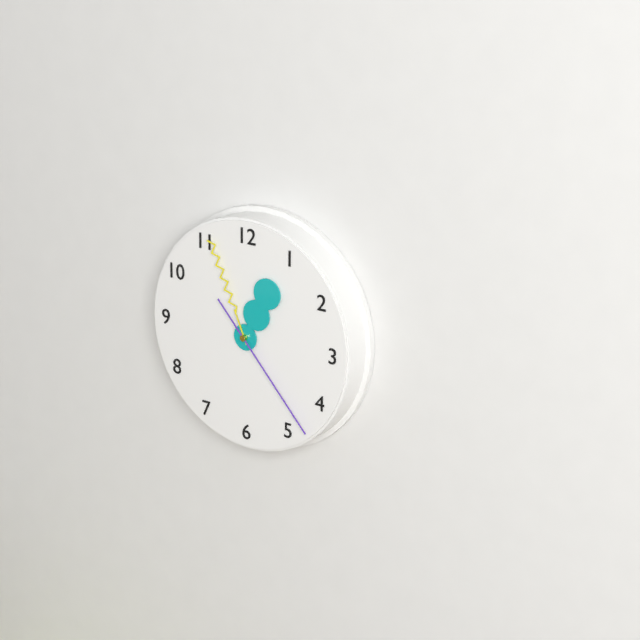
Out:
12 h 56 min 23 s
